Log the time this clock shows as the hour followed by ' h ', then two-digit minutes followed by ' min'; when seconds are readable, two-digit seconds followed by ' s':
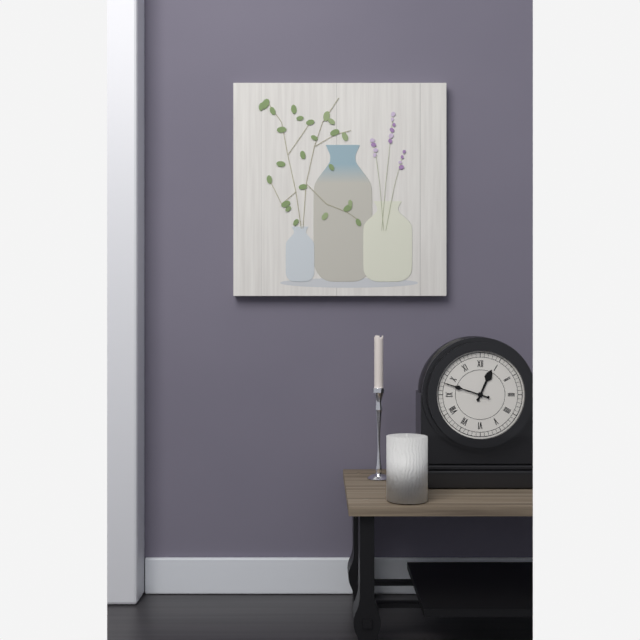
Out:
12 h 48 min
